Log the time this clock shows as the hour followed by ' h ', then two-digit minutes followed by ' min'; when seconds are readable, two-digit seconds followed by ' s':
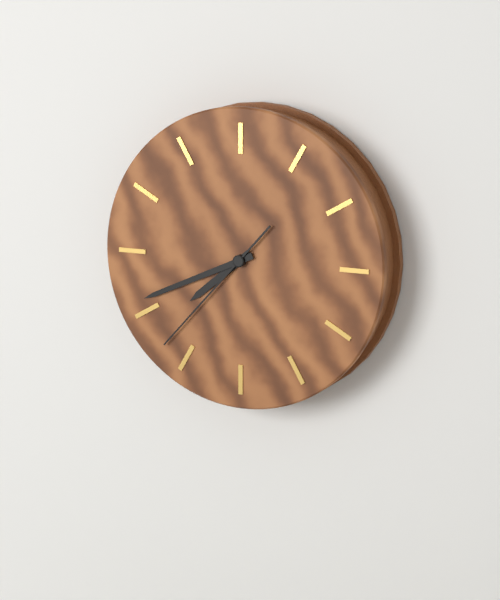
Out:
7 h 41 min 37 s
